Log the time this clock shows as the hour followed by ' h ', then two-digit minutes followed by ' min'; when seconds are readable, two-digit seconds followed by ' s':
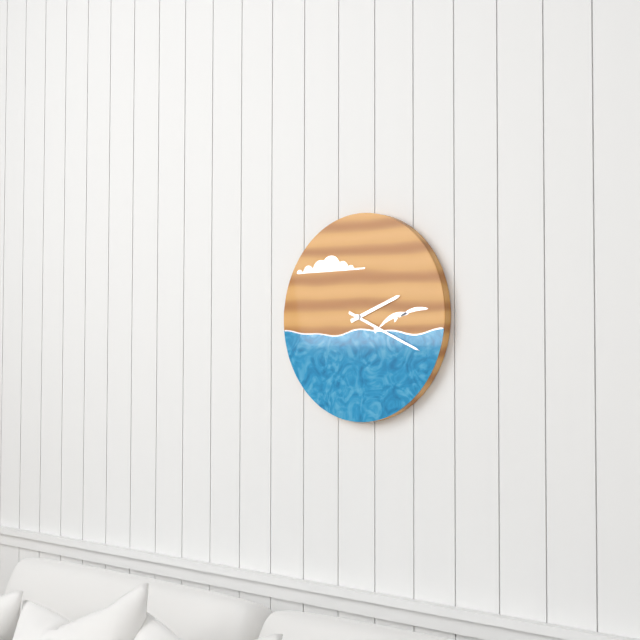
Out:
2 h 19 min
